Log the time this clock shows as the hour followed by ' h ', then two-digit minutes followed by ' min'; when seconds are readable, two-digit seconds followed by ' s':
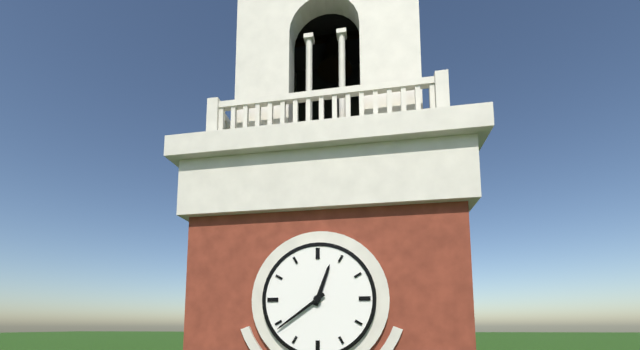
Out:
12 h 39 min
